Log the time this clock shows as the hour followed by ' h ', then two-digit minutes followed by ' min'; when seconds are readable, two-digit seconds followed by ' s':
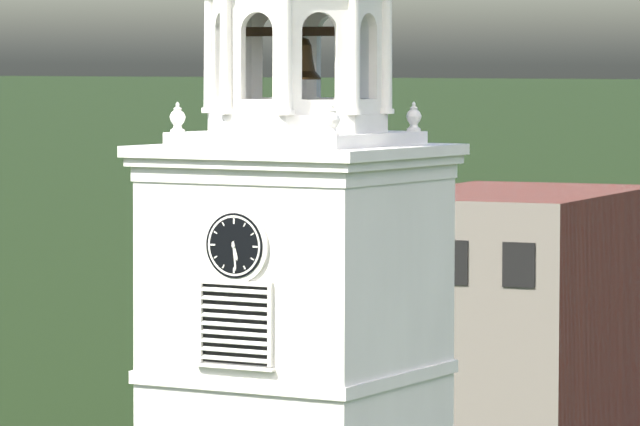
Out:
5 h 29 min
